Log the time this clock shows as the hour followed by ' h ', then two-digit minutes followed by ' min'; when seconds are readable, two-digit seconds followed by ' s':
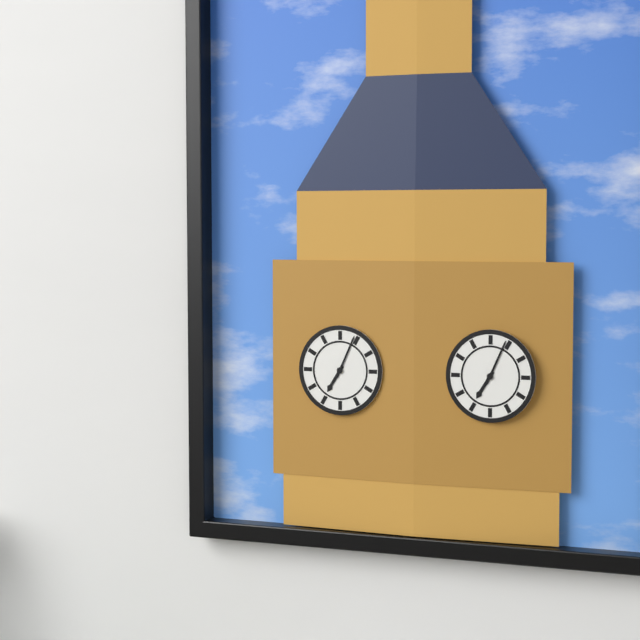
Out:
7 h 04 min
